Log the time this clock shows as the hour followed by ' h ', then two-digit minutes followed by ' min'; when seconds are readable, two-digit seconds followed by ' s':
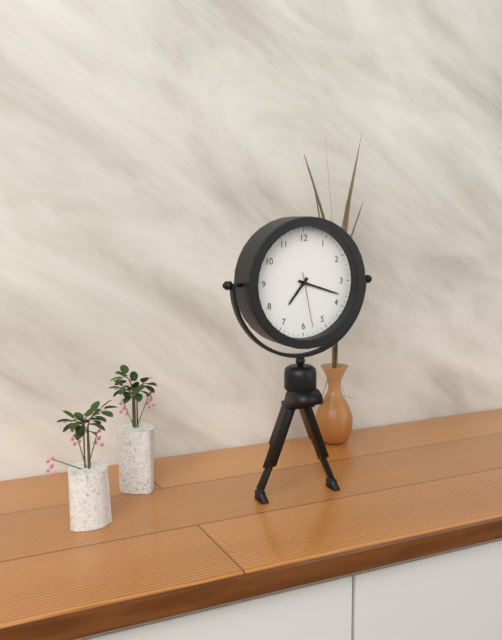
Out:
7 h 18 min 28 s
